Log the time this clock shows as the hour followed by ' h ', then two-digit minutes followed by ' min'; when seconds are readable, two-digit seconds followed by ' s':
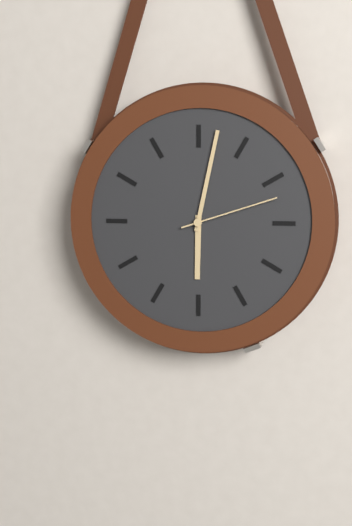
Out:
6 h 02 min 12 s
